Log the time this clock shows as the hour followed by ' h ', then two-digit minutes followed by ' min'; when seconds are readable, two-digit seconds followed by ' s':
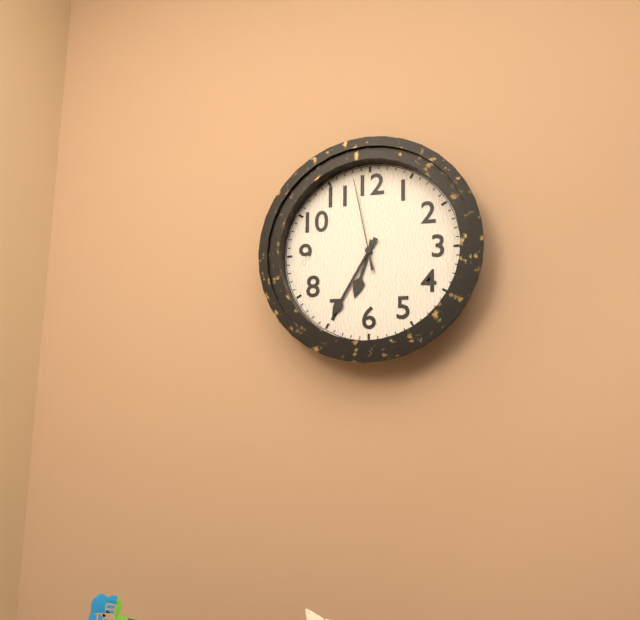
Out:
6 h 35 min 58 s
